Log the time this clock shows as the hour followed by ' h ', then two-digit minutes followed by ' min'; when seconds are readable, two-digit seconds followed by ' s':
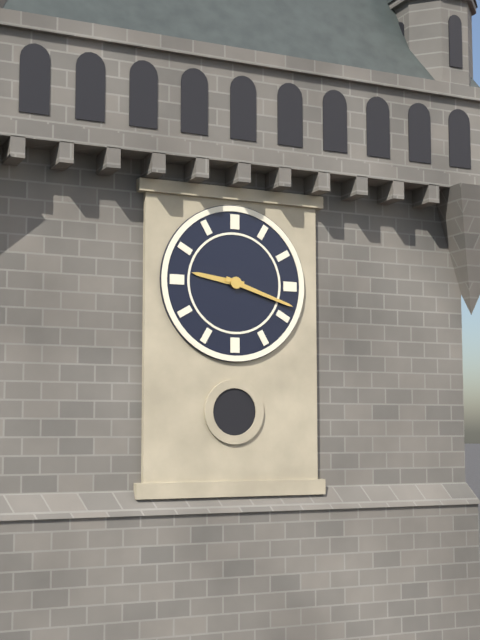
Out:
9 h 18 min
